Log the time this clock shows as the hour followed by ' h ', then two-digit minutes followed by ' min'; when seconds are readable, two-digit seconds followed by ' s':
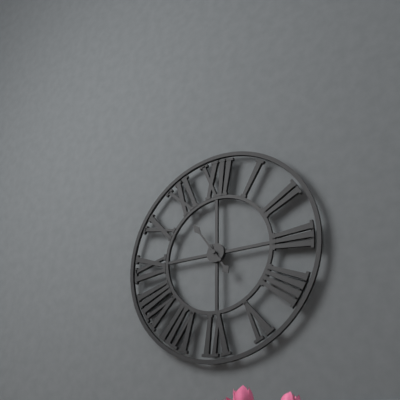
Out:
4 h 54 min
